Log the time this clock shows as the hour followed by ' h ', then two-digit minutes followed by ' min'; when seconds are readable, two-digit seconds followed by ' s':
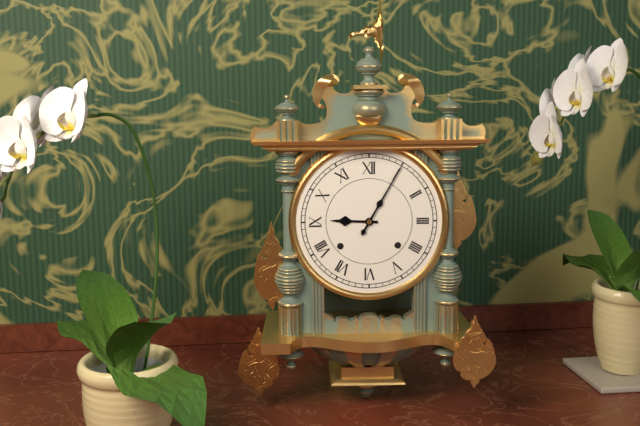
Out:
9 h 05 min
